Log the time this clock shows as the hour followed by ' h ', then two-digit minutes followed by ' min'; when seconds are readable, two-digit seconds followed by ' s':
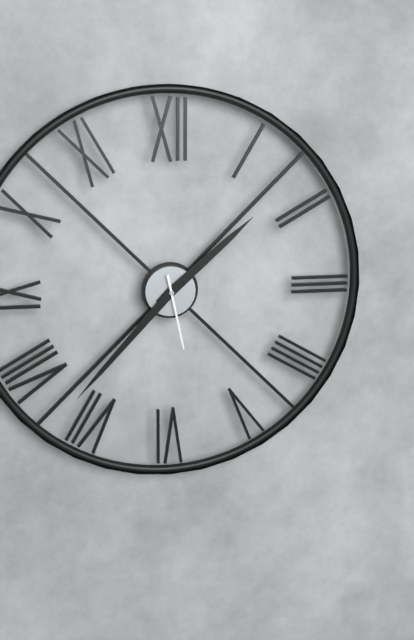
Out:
1 h 37 min 28 s
